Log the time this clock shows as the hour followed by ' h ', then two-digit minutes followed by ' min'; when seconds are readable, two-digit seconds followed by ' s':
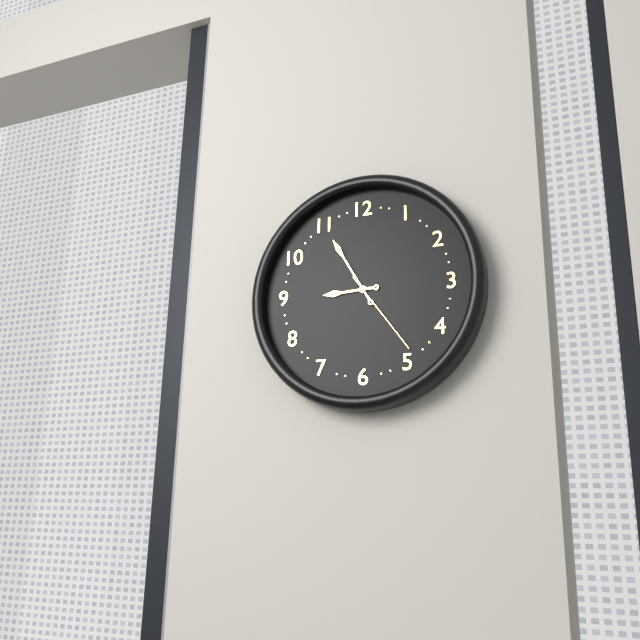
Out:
8 h 55 min 24 s
